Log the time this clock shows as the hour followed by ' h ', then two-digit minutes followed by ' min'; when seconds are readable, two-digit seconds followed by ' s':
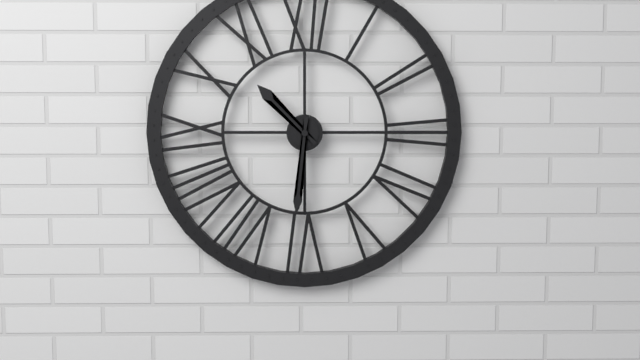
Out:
10 h 31 min
